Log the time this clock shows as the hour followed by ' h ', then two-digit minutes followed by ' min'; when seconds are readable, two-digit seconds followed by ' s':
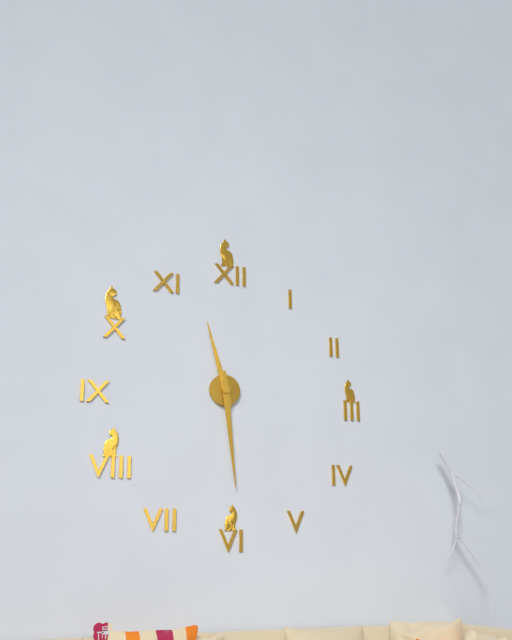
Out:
11 h 29 min
